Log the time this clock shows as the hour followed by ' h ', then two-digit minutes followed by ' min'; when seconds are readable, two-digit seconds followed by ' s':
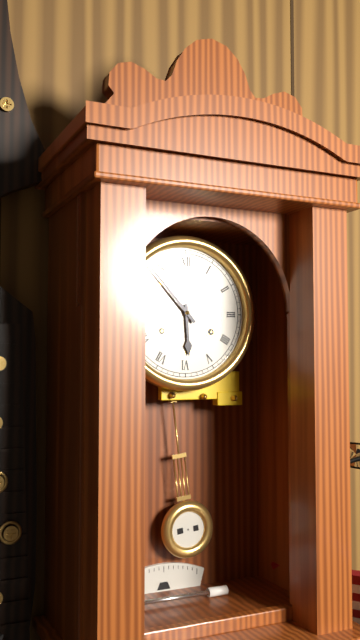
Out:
5 h 53 min
